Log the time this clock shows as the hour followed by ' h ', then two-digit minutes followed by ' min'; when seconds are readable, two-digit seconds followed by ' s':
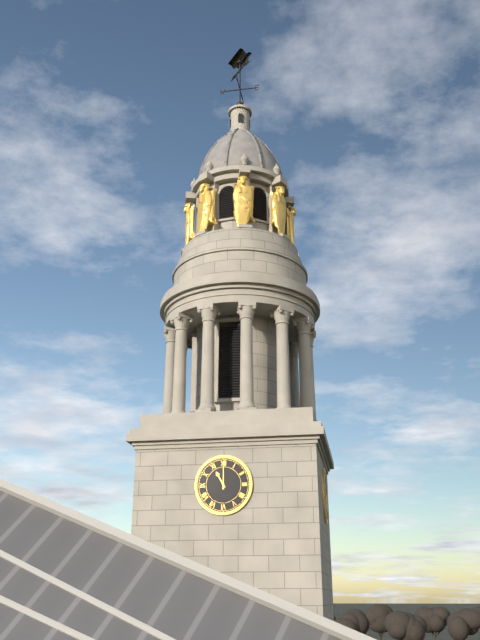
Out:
11 h 00 min
